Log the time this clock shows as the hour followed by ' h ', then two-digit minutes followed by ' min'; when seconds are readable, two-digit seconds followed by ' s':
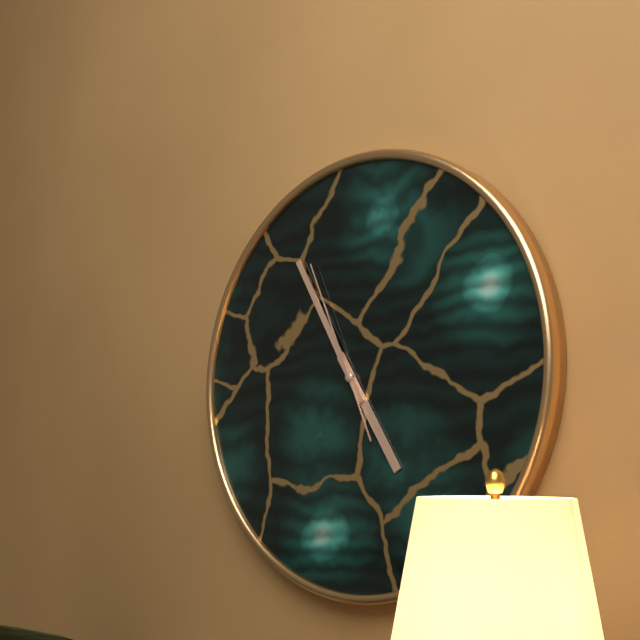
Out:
4 h 55 min 56 s
